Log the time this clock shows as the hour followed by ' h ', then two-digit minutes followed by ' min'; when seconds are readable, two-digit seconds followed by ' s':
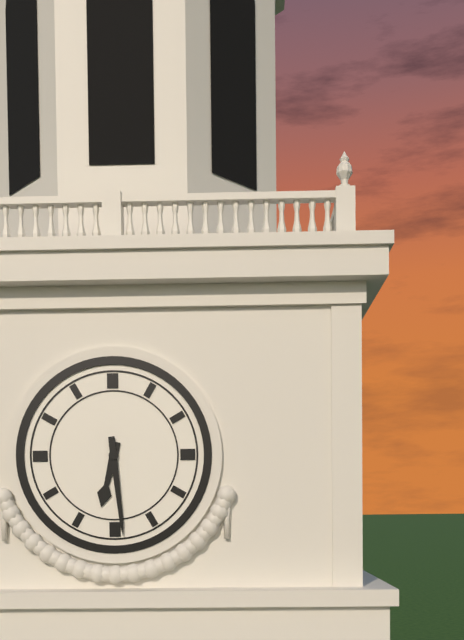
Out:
6 h 29 min
